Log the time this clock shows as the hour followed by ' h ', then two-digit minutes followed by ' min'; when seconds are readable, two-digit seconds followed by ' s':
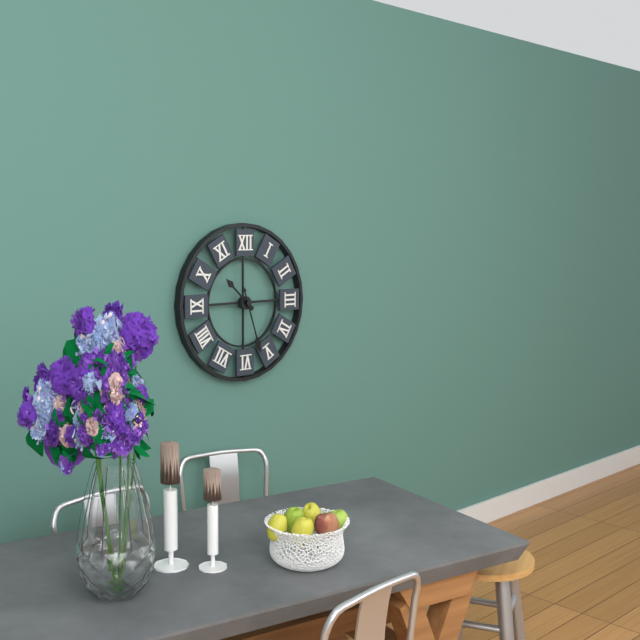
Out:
10 h 27 min
